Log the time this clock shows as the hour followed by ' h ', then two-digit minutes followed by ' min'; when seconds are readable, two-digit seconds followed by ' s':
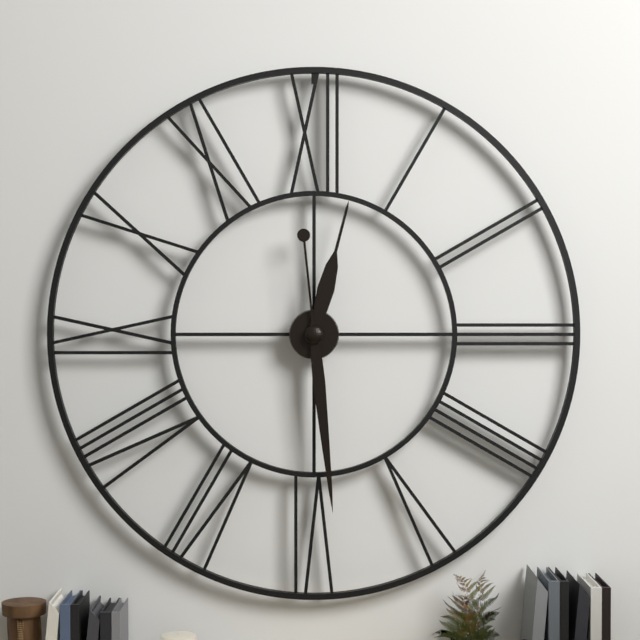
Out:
12 h 29 min
